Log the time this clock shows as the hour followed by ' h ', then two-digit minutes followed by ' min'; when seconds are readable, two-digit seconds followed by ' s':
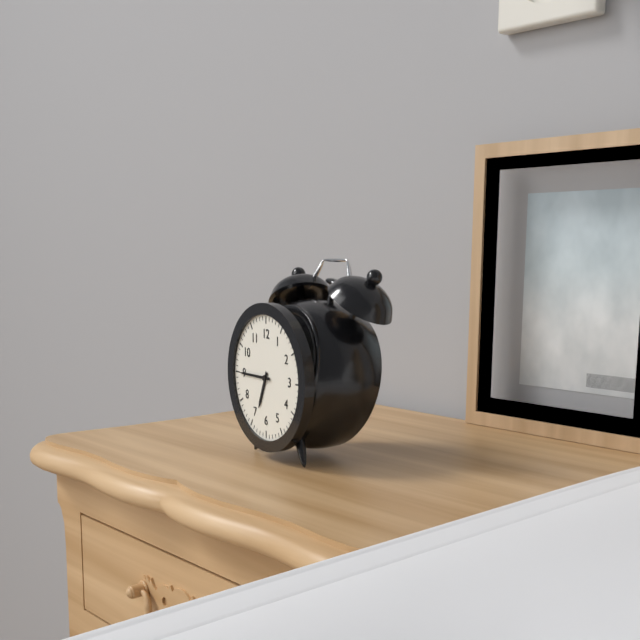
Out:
6 h 45 min
